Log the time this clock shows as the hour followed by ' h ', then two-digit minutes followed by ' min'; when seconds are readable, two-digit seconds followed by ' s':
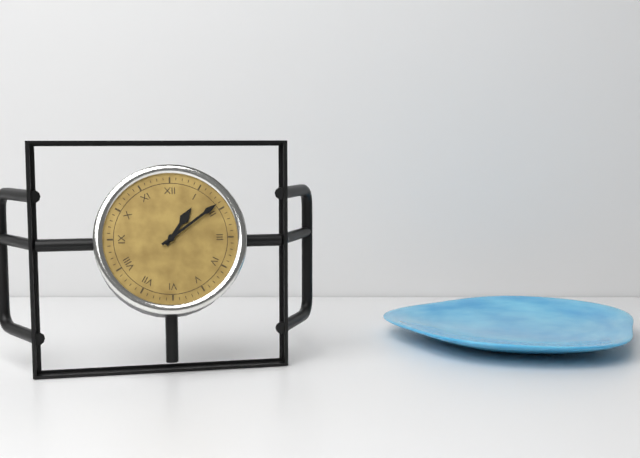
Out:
1 h 09 min
